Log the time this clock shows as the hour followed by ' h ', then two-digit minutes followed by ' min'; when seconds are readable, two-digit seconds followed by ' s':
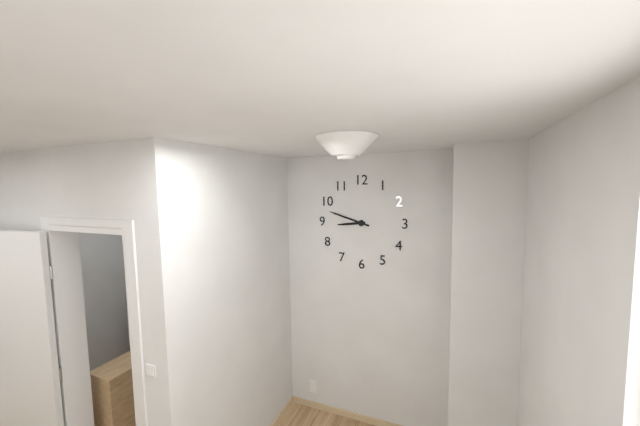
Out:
8 h 48 min
